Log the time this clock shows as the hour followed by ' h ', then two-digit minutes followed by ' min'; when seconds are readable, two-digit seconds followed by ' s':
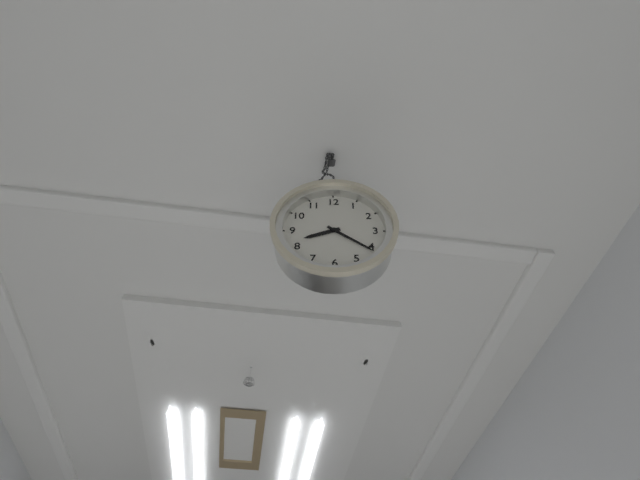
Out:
8 h 21 min
